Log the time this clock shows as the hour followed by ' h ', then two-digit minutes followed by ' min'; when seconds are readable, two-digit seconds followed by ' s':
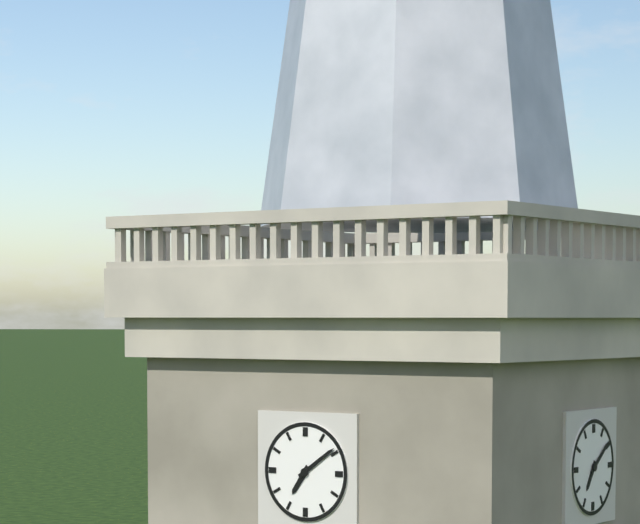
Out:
7 h 09 min
